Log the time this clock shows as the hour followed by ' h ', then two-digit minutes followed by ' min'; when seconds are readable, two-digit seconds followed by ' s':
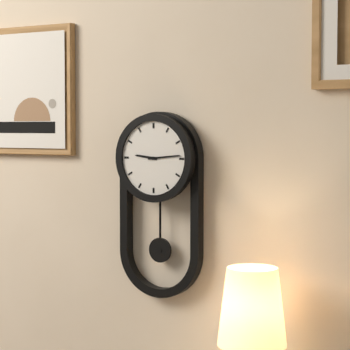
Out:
9 h 14 min
